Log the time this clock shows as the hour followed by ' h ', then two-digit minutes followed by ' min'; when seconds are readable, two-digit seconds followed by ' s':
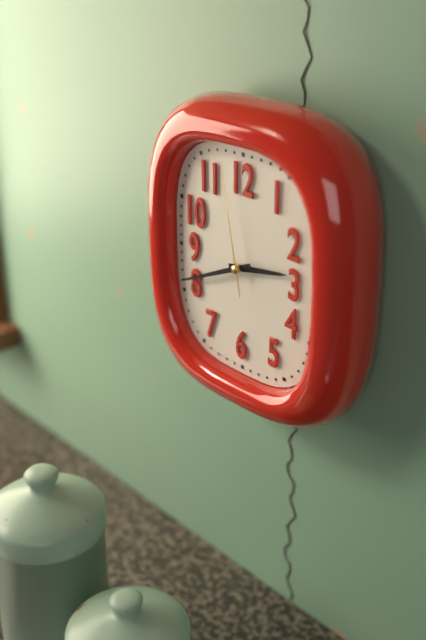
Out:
2 h 41 min 58 s
